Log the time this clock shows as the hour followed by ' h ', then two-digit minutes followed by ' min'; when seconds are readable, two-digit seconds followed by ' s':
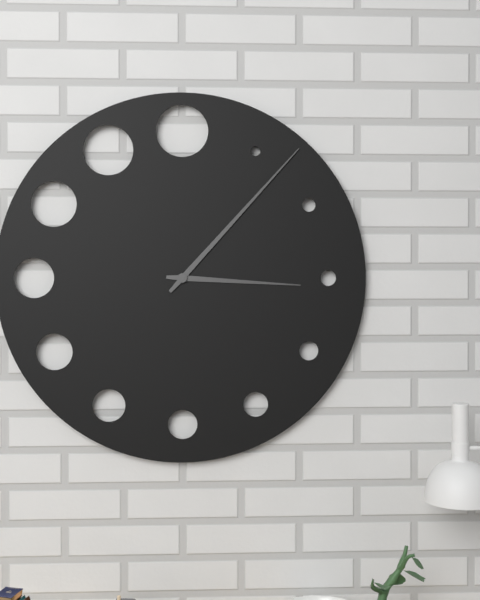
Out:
3 h 07 min
